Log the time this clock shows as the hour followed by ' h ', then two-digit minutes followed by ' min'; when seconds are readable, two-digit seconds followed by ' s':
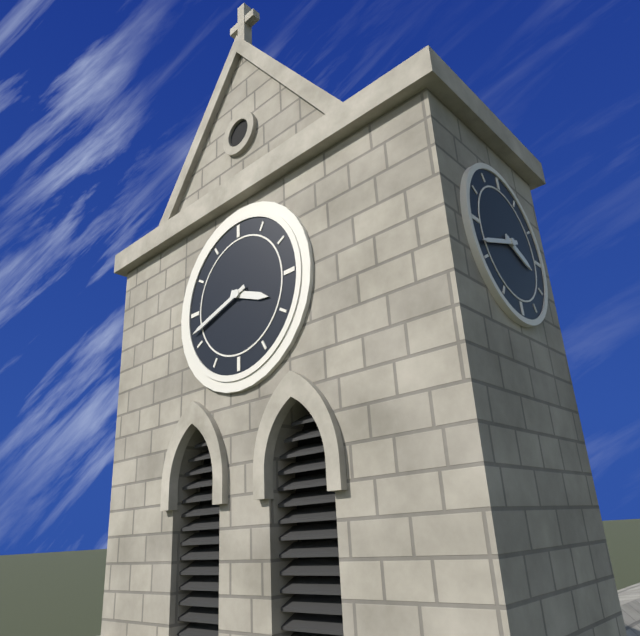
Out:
3 h 42 min
